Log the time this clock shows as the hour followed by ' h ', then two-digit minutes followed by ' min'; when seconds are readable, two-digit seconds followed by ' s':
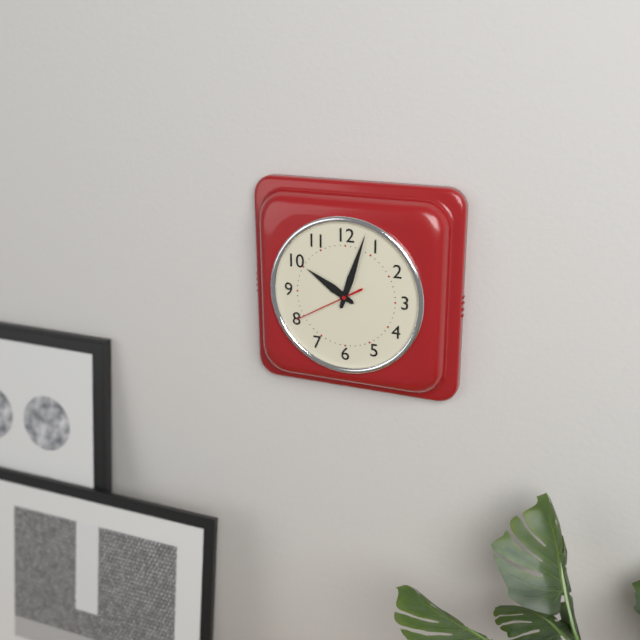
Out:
10 h 03 min 40 s
